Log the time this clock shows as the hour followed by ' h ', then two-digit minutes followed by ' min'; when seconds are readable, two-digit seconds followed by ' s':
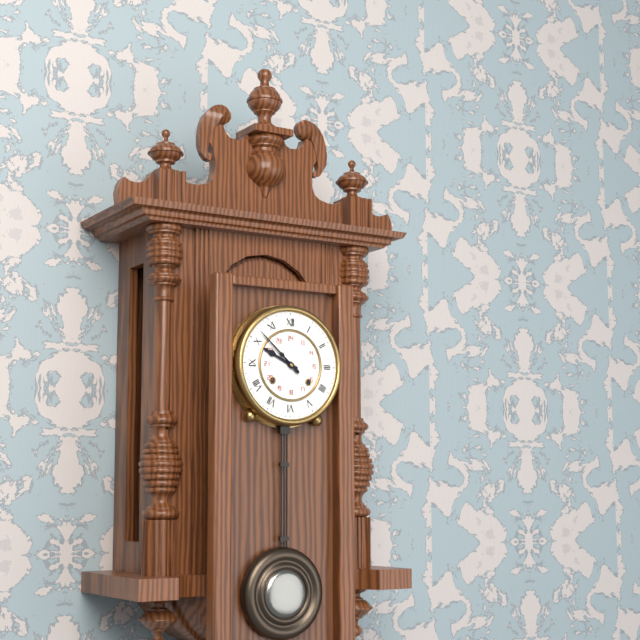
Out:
9 h 52 min
